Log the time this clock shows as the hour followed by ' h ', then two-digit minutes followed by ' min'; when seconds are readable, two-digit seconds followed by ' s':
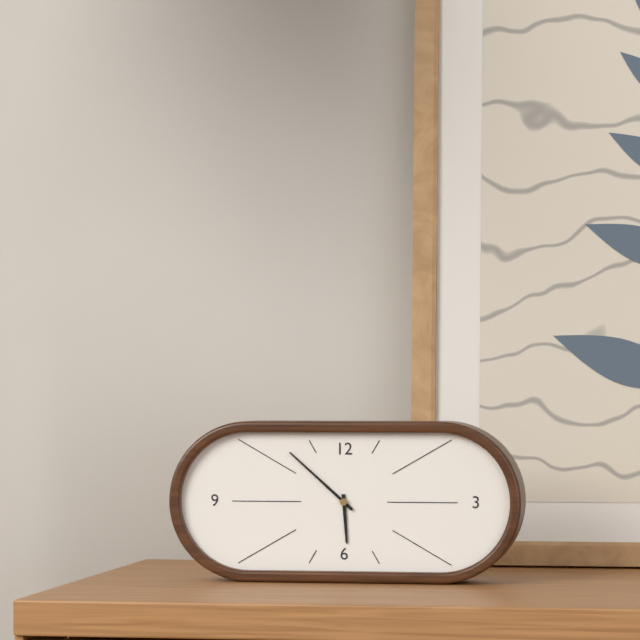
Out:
5 h 52 min
